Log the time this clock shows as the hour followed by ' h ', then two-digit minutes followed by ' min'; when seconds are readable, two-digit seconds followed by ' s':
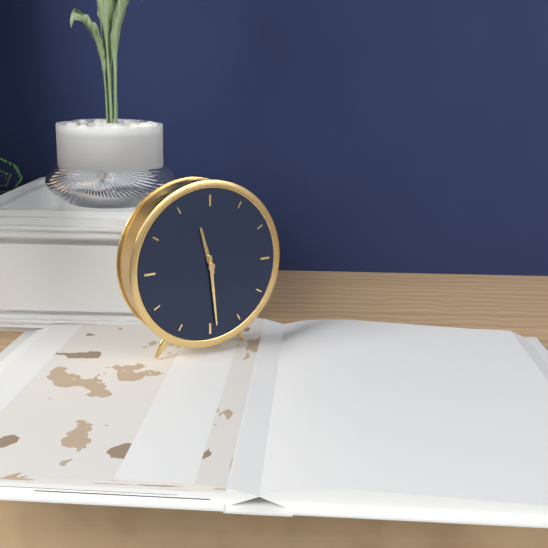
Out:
11 h 29 min
